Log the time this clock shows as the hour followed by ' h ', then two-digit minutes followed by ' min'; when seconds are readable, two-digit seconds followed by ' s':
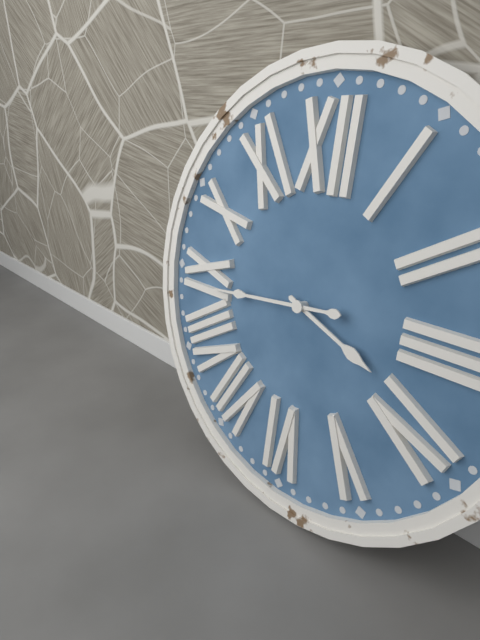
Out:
3 h 44 min
